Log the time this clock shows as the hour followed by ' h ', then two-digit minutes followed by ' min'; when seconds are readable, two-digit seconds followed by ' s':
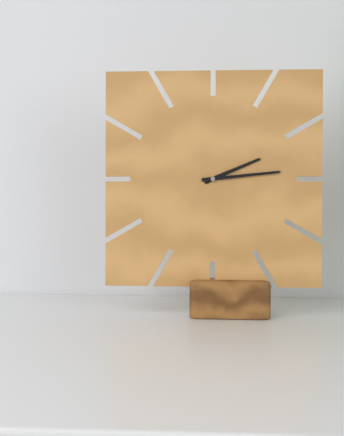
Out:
2 h 14 min
